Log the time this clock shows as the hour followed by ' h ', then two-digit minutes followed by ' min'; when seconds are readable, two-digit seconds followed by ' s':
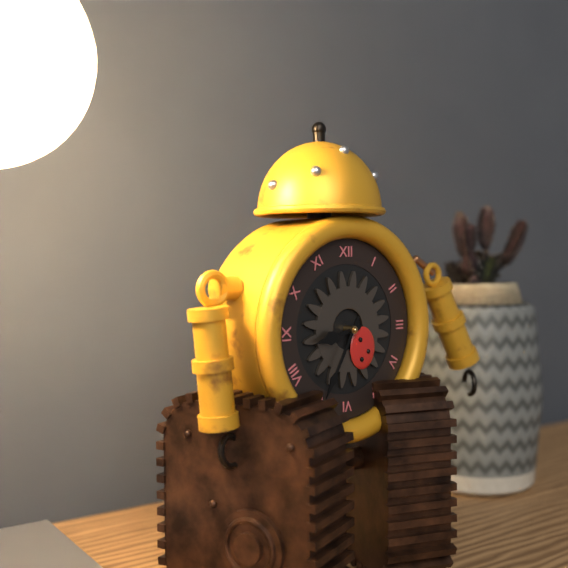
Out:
8 h 35 min
